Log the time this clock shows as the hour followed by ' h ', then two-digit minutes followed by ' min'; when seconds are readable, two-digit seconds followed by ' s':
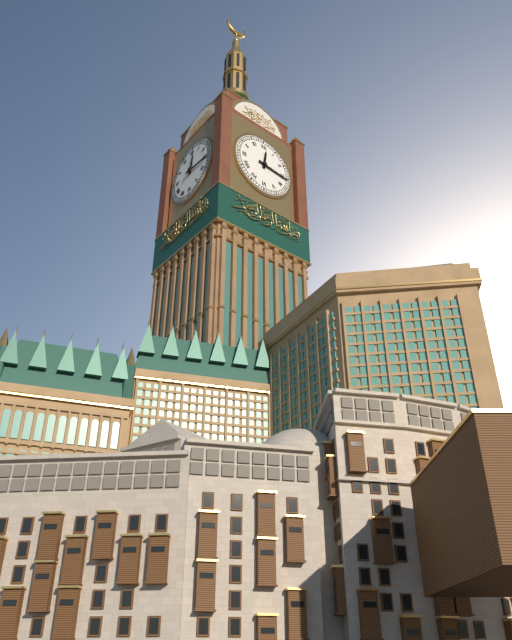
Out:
12 h 16 min
